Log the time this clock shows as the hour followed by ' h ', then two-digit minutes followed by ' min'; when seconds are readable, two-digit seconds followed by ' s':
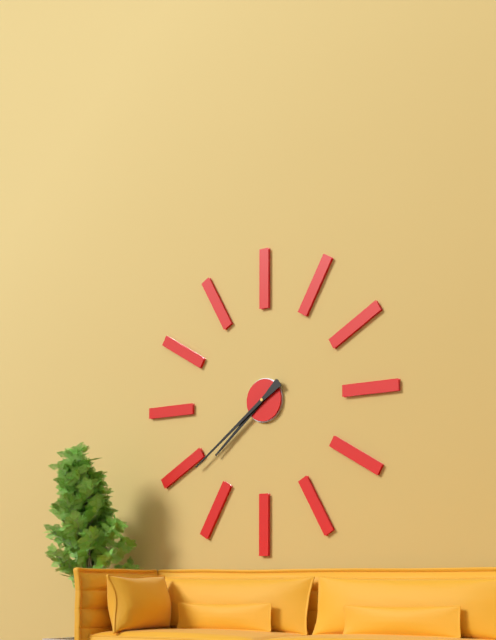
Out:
7 h 39 min
